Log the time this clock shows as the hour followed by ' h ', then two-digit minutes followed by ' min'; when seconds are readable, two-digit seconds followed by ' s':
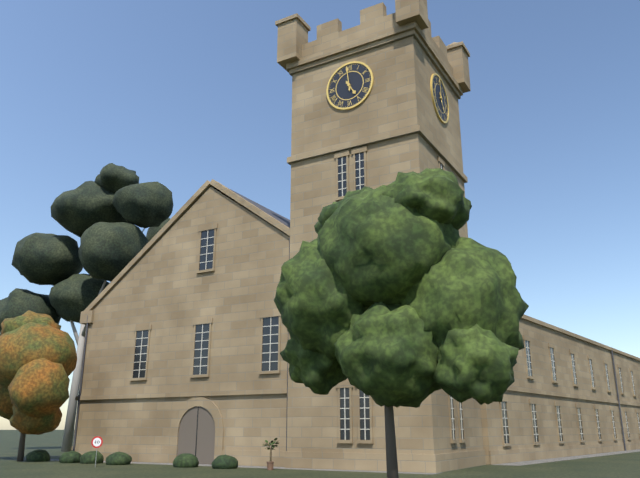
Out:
4 h 59 min
